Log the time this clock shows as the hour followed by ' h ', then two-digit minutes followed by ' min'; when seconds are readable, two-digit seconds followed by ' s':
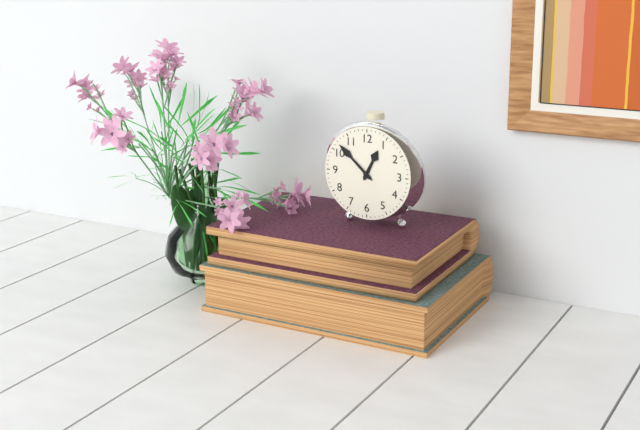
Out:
12 h 52 min
